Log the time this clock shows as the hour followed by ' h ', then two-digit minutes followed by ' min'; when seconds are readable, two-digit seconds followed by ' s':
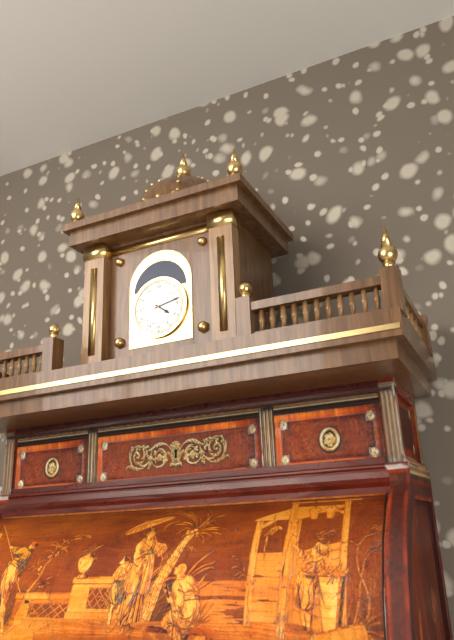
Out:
4 h 13 min
